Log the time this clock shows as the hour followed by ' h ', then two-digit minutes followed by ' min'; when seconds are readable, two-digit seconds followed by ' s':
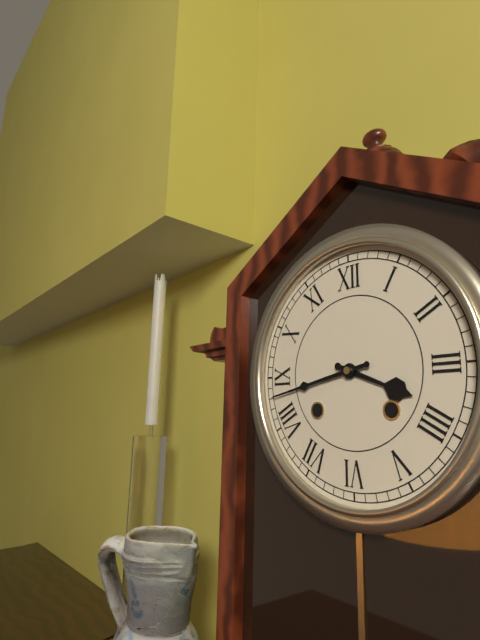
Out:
3 h 43 min
